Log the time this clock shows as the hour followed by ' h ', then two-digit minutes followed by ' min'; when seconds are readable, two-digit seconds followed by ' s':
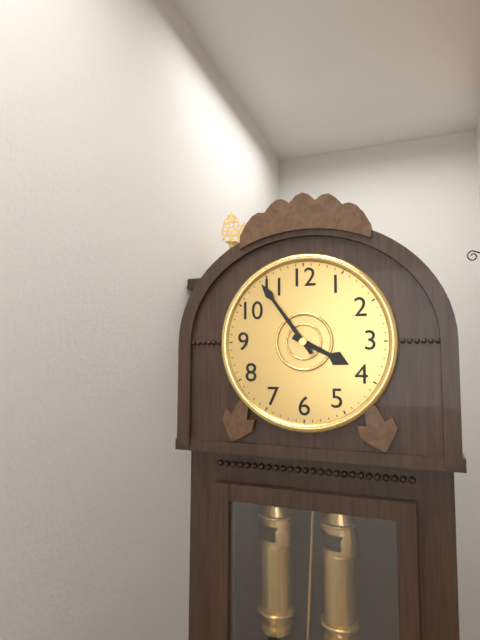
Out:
3 h 54 min
